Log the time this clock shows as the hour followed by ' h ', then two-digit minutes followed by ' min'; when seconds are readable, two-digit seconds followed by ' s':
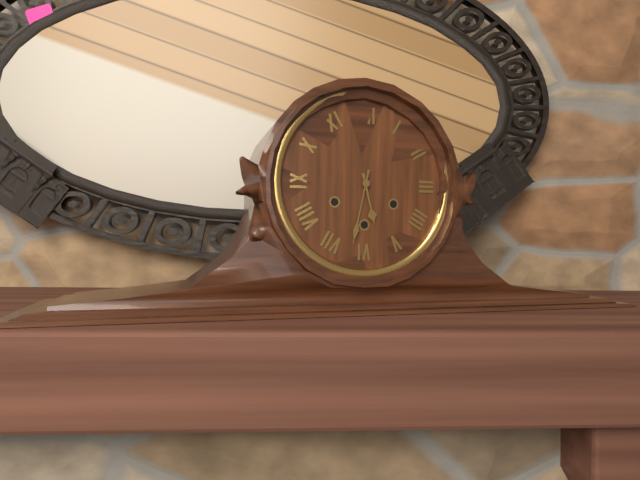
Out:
5 h 32 min
